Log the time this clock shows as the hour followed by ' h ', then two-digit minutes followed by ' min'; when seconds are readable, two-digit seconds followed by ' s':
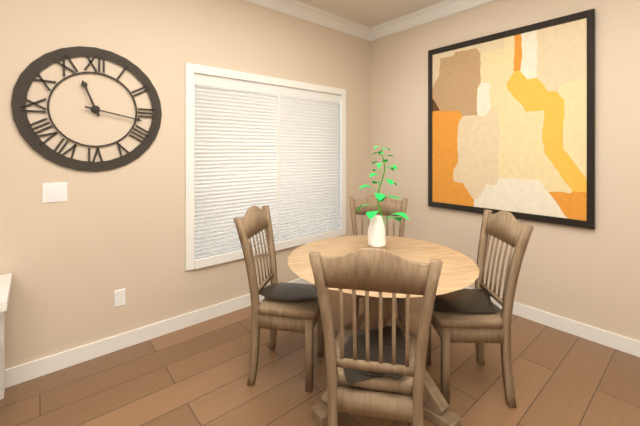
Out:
11 h 17 min
